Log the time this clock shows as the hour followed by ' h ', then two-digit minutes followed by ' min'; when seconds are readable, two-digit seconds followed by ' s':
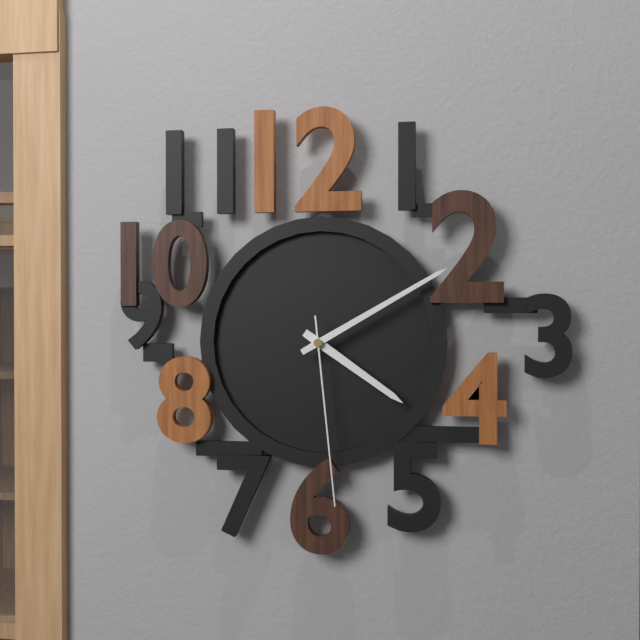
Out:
4 h 10 min 29 s
